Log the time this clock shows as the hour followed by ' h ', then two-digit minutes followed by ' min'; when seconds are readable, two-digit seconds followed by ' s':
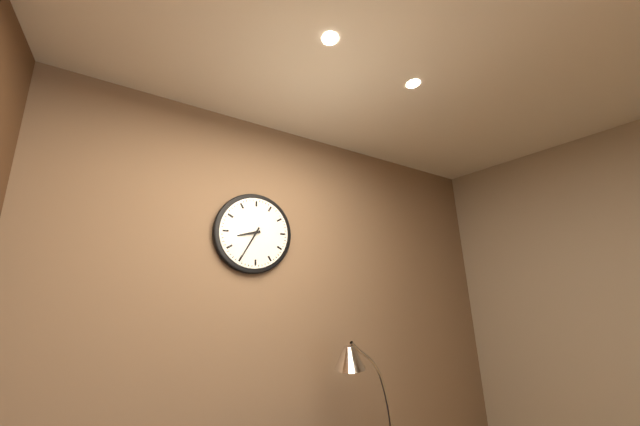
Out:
8 h 35 min
